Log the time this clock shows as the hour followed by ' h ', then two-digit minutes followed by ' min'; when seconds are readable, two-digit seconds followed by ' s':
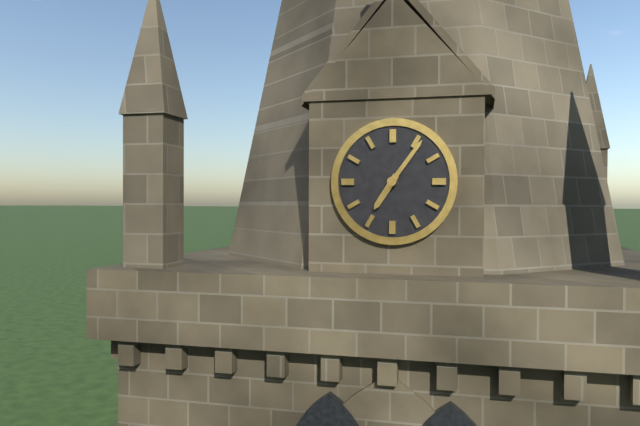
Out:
7 h 06 min
